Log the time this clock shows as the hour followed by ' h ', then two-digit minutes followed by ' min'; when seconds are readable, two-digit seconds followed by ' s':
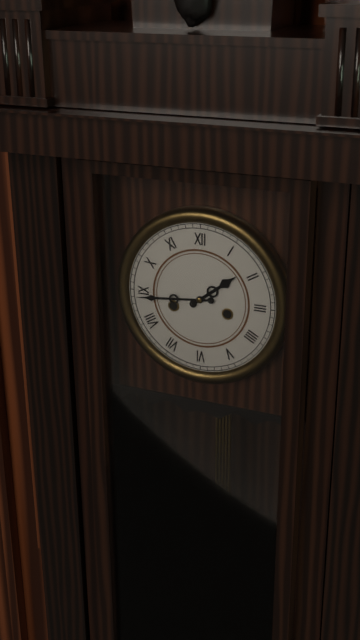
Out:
1 h 44 min
